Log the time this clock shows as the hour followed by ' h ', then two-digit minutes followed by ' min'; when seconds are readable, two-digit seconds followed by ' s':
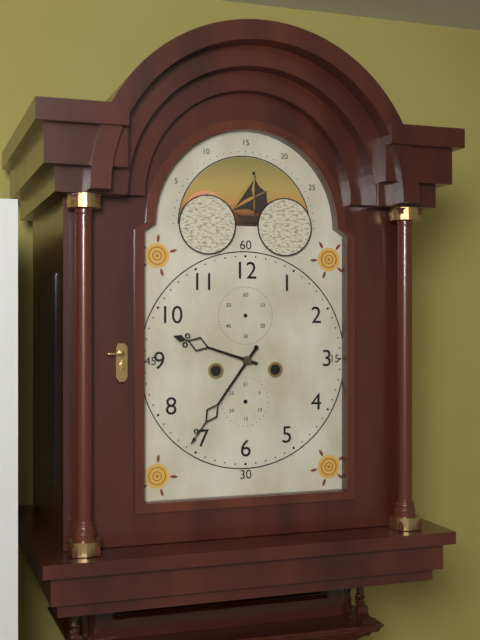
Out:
9 h 36 min
